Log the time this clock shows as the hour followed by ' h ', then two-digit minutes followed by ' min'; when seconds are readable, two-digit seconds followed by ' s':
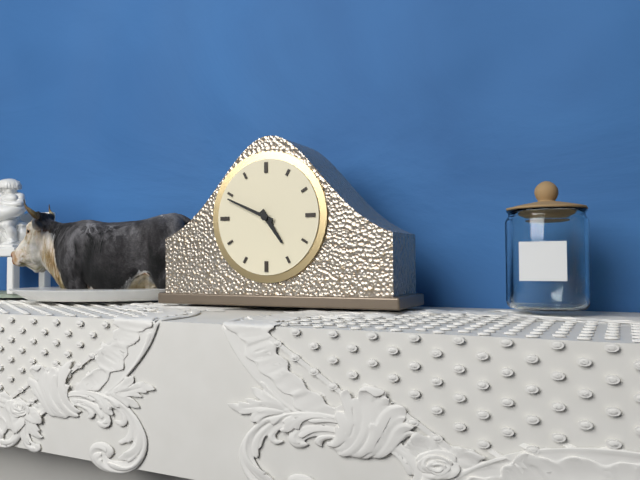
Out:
4 h 49 min
